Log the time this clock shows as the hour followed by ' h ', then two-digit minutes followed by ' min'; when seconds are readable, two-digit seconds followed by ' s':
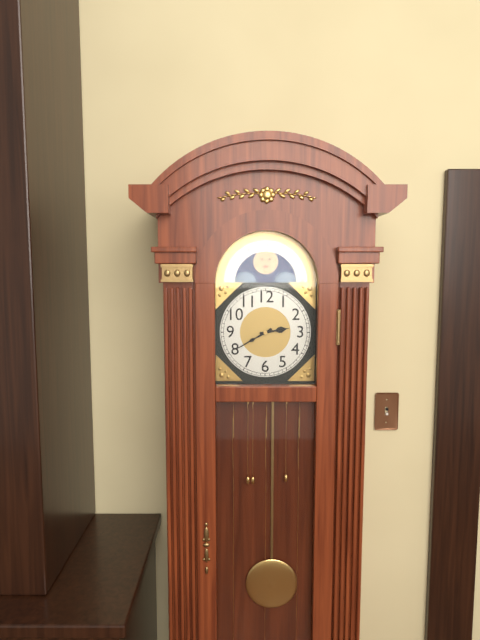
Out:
2 h 40 min
